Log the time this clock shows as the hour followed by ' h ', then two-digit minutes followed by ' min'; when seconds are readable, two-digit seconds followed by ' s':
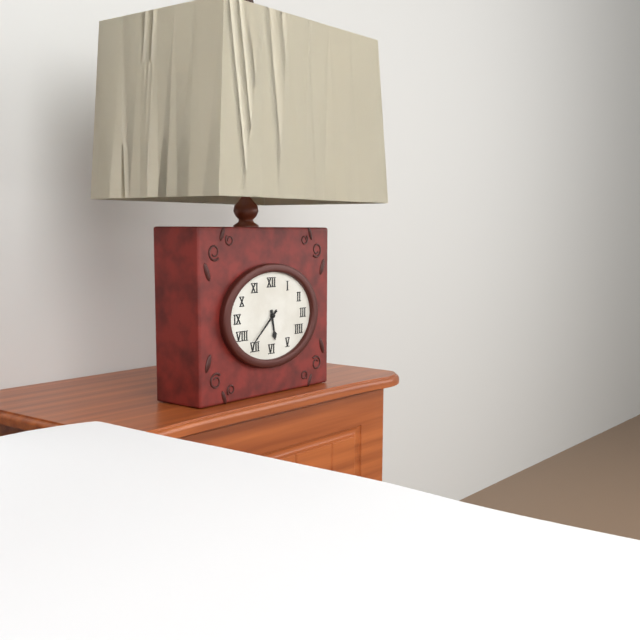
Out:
5 h 38 min
